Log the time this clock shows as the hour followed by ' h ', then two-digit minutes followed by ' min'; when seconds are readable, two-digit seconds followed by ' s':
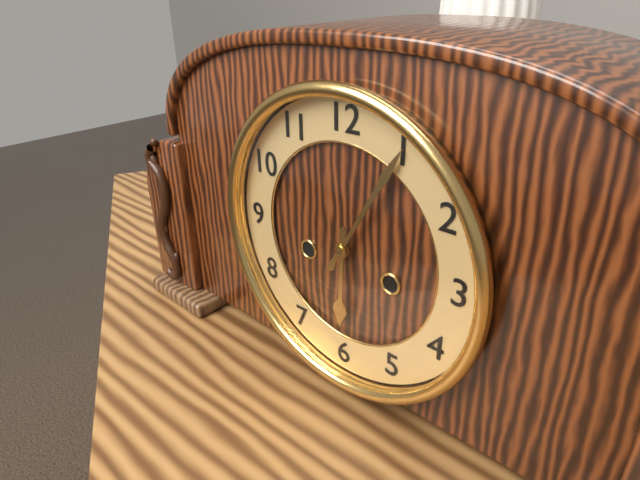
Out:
6 h 05 min
